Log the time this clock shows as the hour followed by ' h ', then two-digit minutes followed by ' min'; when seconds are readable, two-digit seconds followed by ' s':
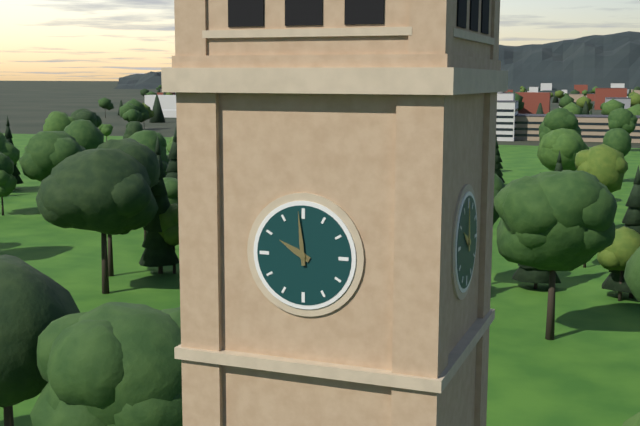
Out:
9 h 59 min
